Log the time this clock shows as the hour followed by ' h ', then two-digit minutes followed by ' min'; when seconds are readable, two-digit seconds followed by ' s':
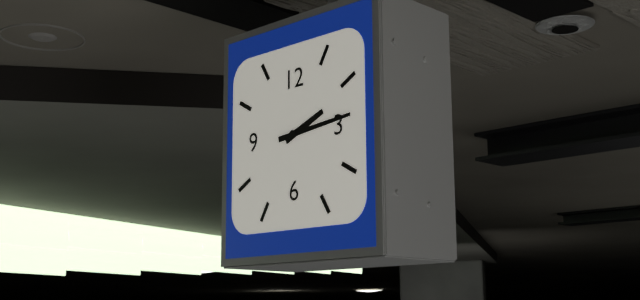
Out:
2 h 14 min
